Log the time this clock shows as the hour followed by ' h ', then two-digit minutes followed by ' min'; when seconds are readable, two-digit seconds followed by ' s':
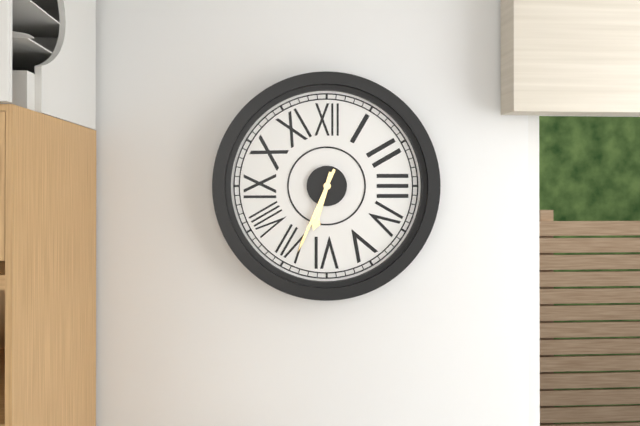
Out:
6 h 34 min
